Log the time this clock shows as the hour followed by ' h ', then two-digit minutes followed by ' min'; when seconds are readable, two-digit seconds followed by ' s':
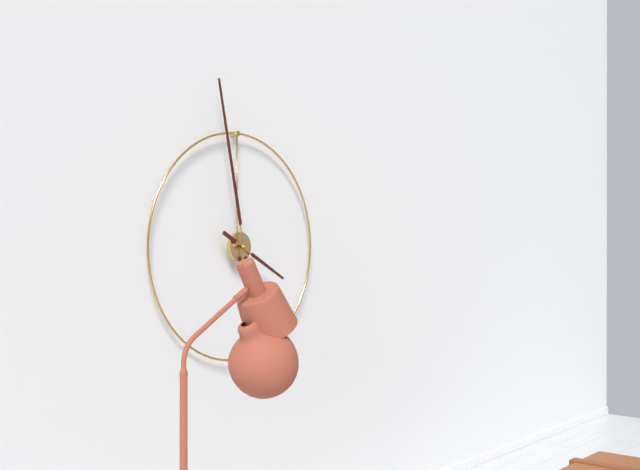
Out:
3 h 58 min
